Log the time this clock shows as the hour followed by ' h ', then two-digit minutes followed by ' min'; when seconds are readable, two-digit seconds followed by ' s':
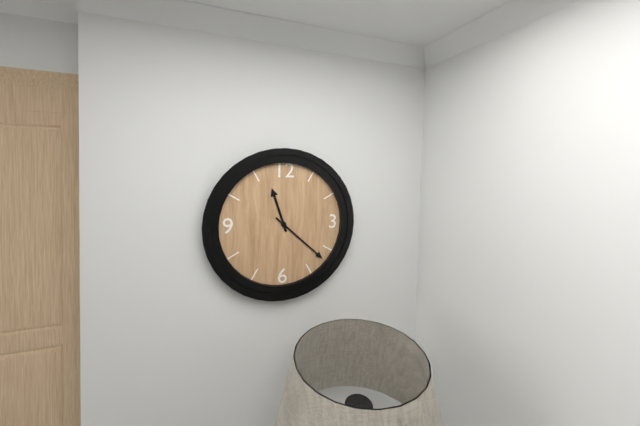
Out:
11 h 22 min
